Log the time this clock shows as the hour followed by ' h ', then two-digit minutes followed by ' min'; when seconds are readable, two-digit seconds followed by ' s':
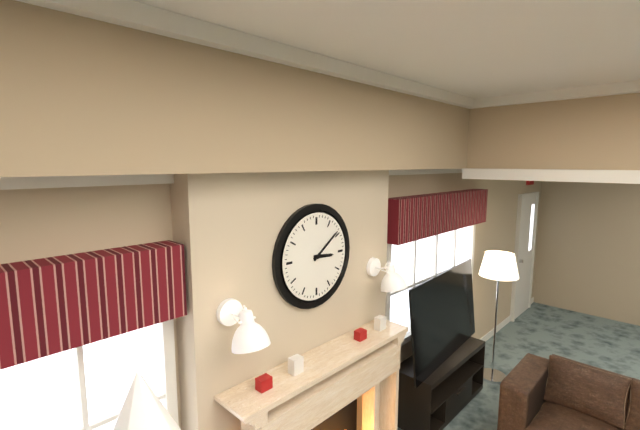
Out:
3 h 09 min
